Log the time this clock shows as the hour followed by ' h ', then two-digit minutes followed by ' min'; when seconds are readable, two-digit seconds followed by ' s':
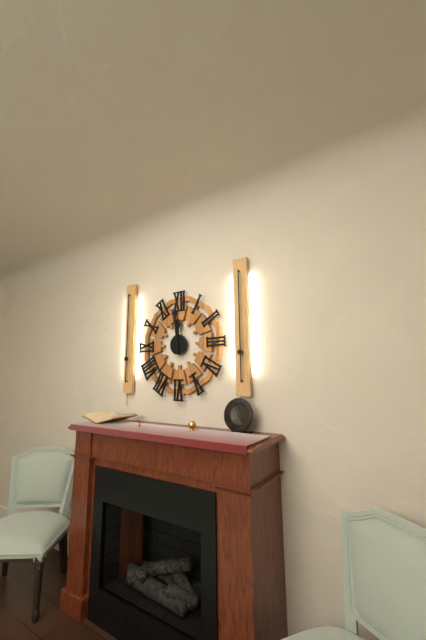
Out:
11 h 59 min
